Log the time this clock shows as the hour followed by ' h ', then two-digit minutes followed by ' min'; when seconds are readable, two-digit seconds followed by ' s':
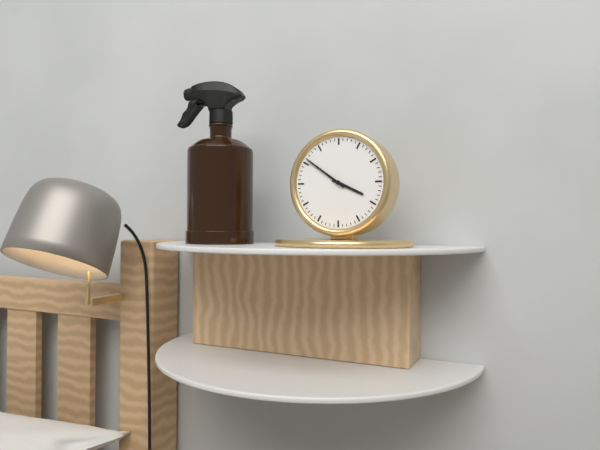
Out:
3 h 51 min
